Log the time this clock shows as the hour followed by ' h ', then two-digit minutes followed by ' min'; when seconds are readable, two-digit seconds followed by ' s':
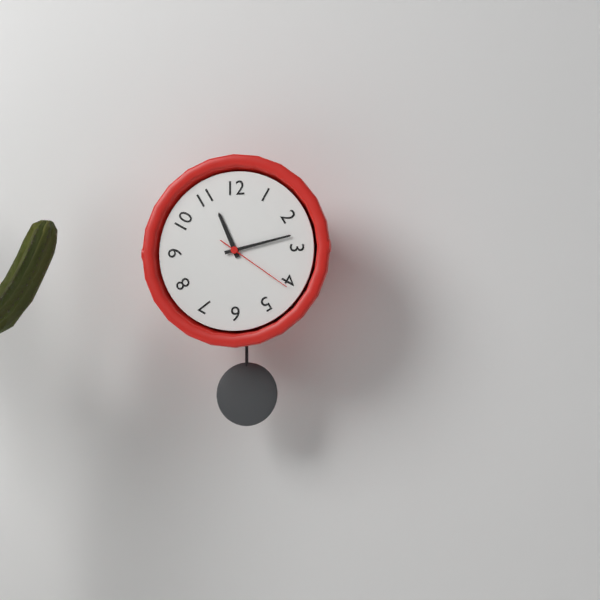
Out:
11 h 13 min 21 s
